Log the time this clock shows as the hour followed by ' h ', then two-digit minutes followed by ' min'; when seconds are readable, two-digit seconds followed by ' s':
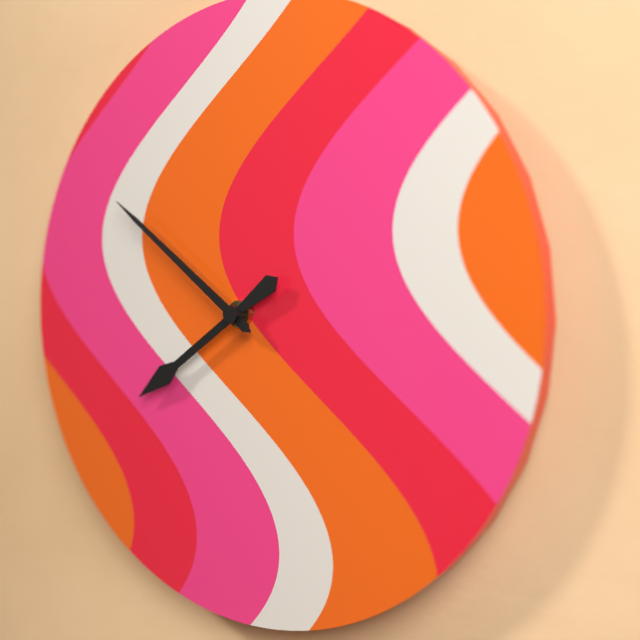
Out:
7 h 51 min
